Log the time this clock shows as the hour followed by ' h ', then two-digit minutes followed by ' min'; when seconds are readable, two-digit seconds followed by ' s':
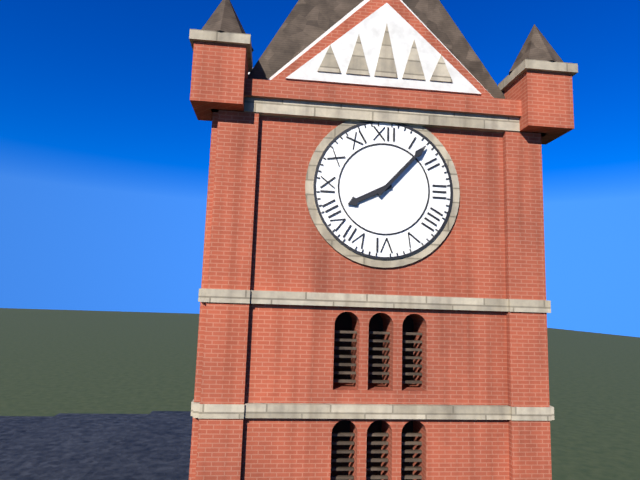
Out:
8 h 07 min
